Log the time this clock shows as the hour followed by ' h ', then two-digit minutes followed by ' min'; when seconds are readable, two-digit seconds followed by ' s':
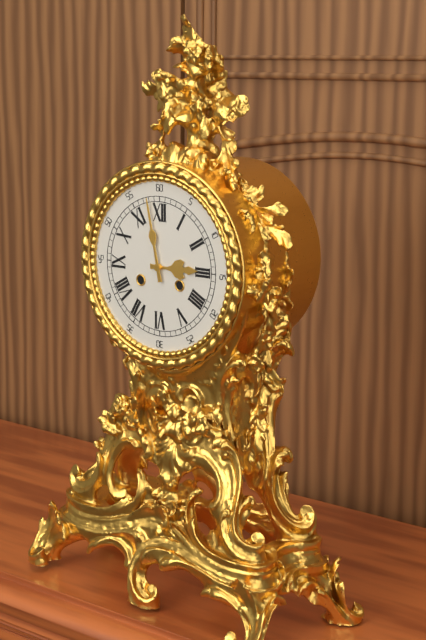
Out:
2 h 58 min
